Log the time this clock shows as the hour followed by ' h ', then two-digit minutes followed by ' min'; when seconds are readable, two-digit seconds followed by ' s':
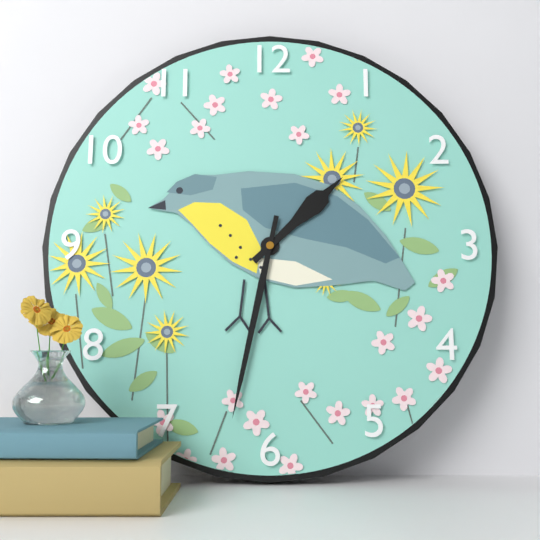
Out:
1 h 32 min
